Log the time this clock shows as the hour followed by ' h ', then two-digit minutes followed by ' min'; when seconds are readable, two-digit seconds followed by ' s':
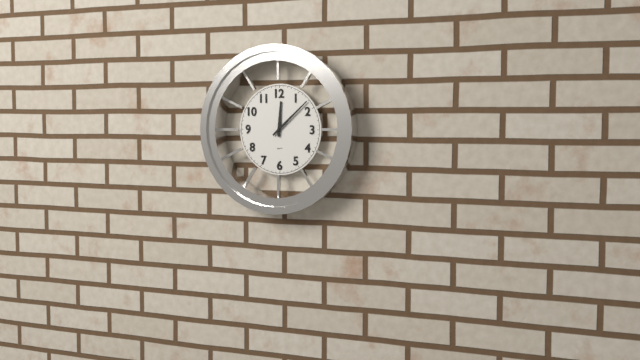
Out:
12 h 08 min
